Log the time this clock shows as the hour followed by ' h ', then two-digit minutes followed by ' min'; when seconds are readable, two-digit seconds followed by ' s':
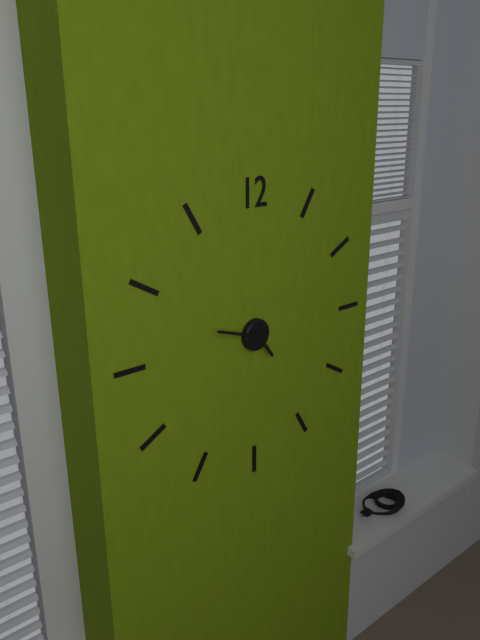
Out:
4 h 48 min
